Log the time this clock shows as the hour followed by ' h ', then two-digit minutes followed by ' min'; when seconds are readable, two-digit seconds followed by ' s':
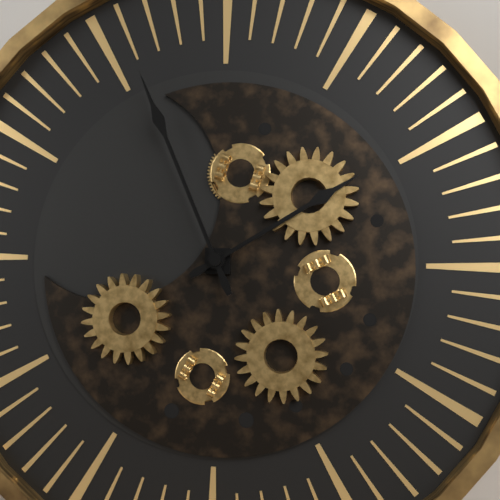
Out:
1 h 56 min
